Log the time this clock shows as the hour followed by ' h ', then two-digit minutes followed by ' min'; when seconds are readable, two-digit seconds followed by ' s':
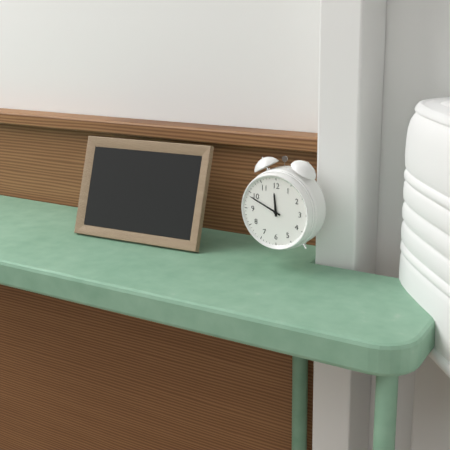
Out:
11 h 49 min
